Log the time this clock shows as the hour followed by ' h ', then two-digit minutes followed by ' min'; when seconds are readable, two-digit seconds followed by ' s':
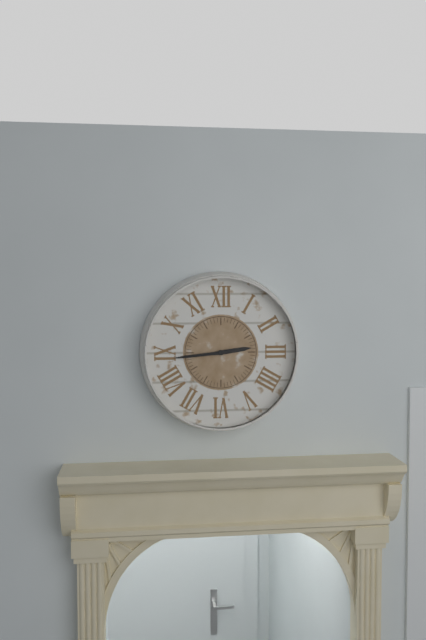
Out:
2 h 44 min
